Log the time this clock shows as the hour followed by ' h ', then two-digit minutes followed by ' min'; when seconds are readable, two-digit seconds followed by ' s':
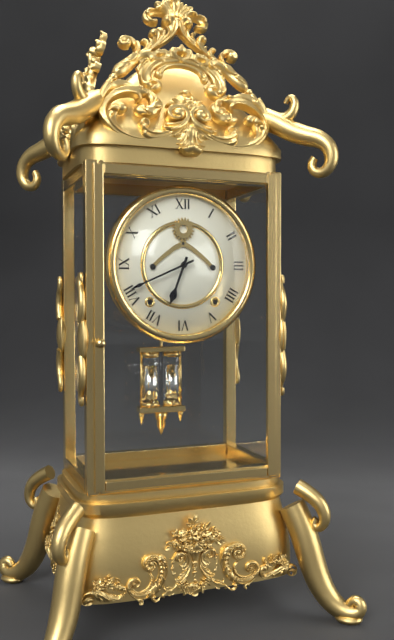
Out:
6 h 41 min
